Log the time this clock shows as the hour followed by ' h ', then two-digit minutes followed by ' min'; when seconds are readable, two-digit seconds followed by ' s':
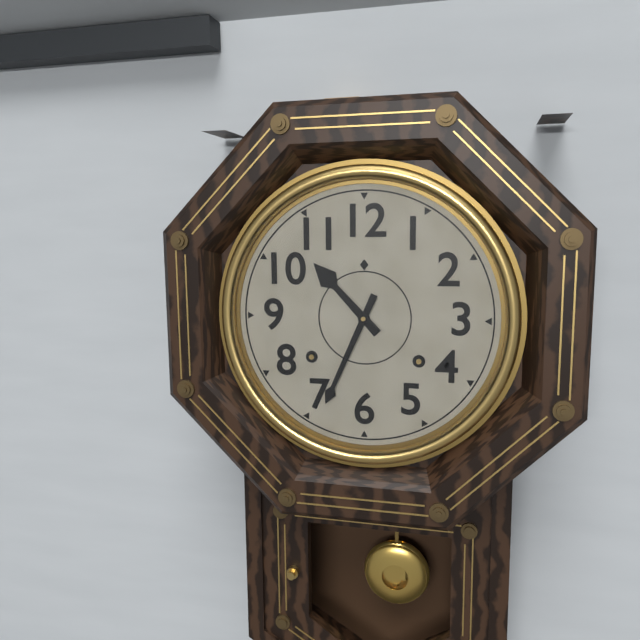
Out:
10 h 34 min
